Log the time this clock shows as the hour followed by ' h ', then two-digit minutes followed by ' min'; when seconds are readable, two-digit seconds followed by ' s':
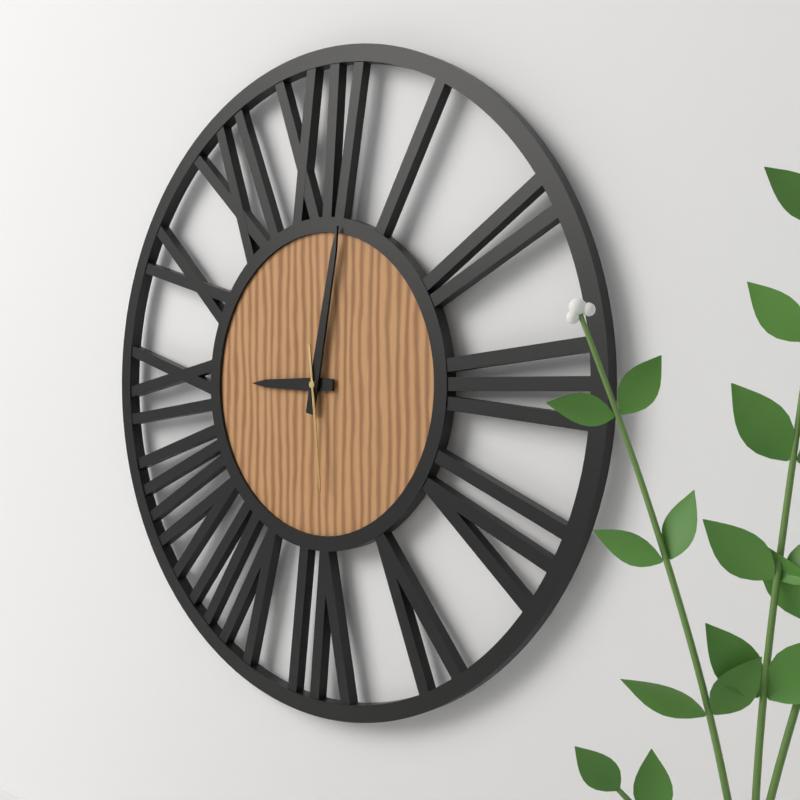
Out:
9 h 02 min 29 s
